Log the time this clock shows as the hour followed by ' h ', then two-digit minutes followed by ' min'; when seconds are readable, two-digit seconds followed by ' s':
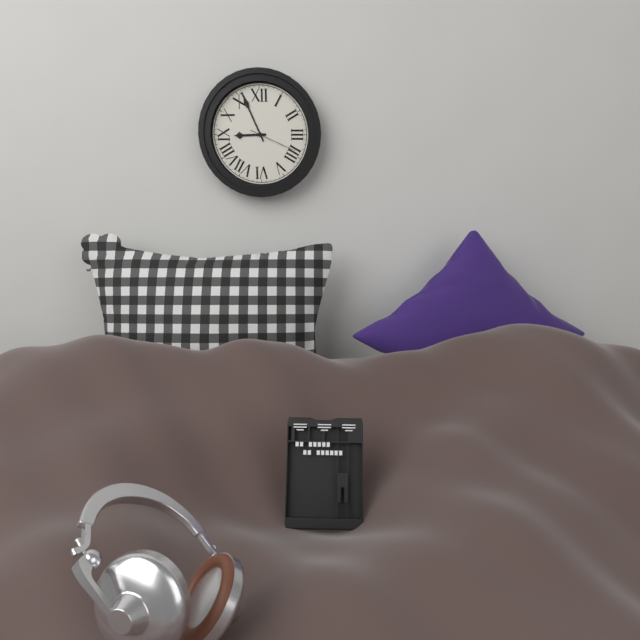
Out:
8 h 56 min
